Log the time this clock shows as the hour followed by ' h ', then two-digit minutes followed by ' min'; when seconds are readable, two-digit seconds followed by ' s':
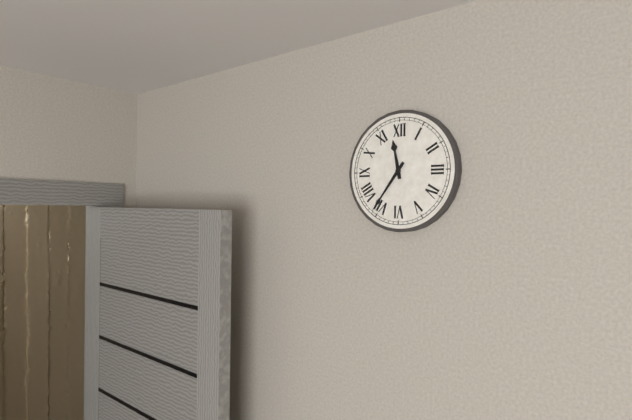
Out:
11 h 36 min
